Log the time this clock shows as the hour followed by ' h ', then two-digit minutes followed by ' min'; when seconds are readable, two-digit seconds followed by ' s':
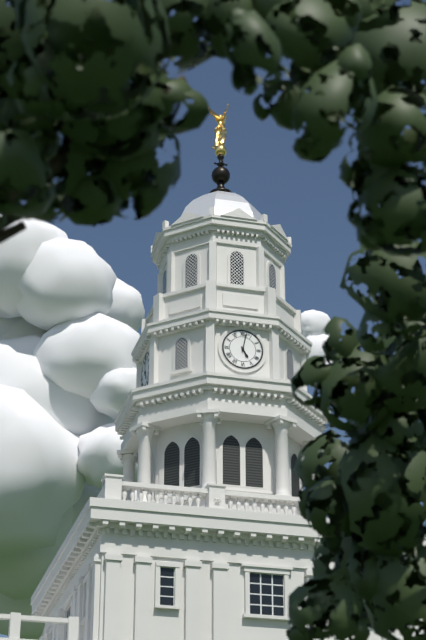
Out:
5 h 02 min
